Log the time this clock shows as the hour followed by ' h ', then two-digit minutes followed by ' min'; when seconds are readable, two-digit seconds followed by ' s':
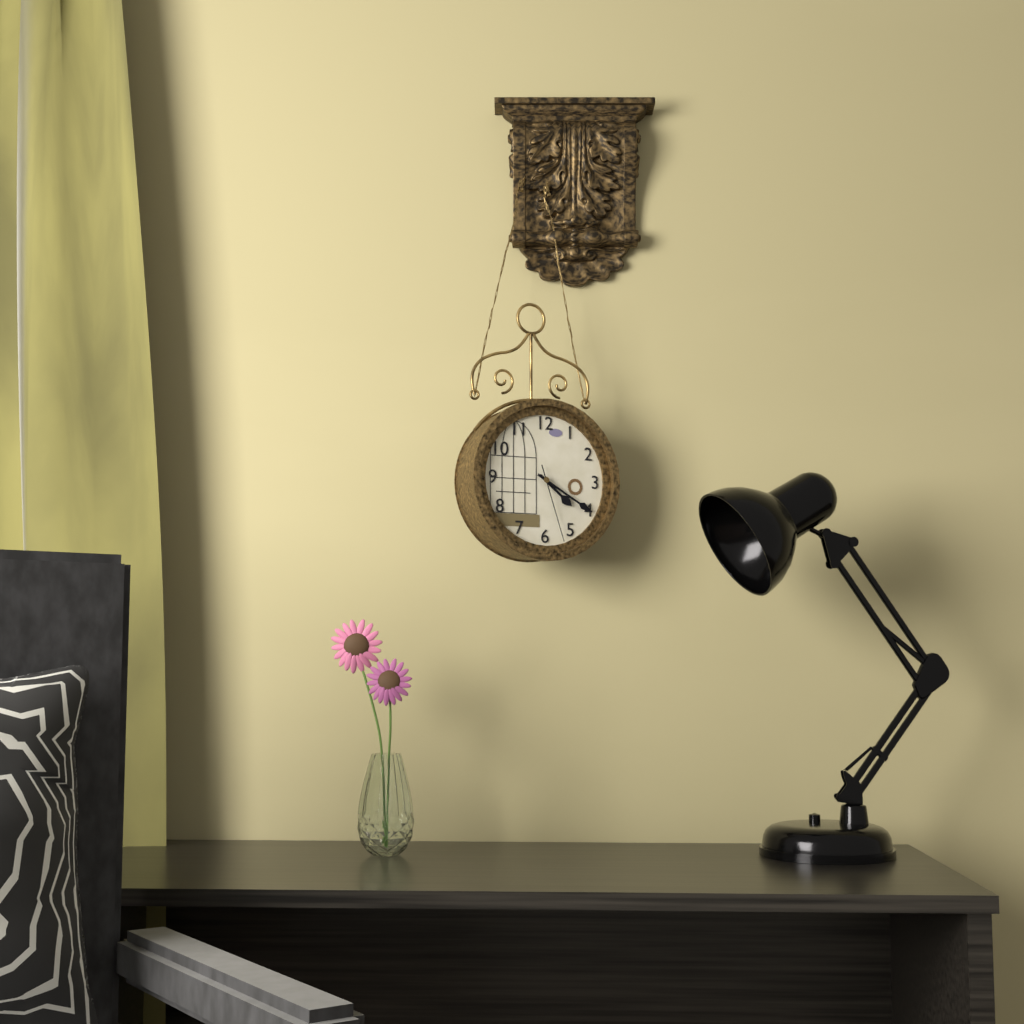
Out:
4 h 20 min 27 s
